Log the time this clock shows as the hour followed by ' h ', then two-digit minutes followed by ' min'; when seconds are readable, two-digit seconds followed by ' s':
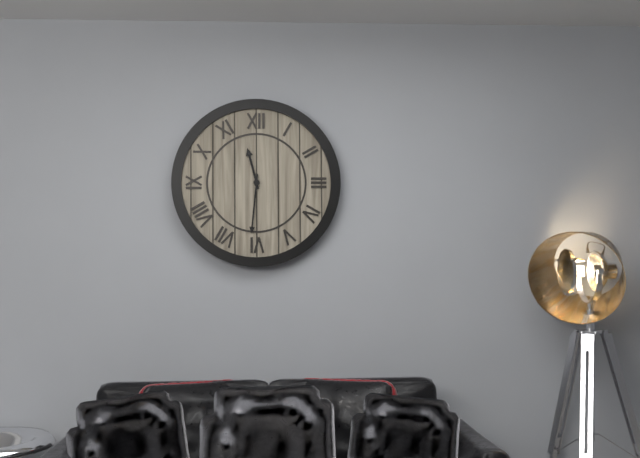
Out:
11 h 31 min
